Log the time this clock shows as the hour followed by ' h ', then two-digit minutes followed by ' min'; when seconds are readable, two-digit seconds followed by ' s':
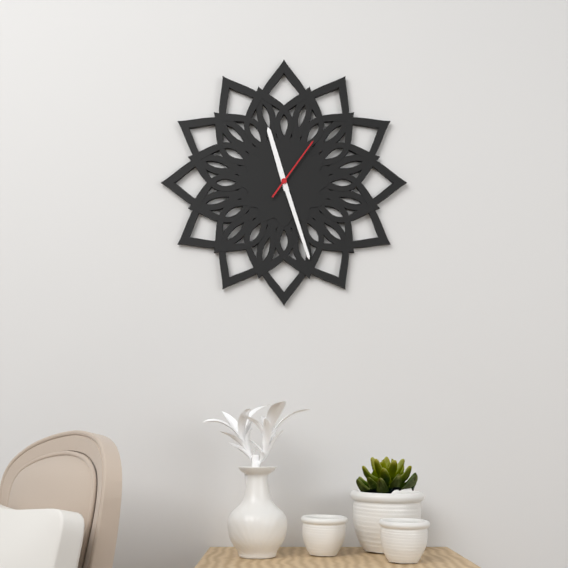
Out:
11 h 27 min 06 s
